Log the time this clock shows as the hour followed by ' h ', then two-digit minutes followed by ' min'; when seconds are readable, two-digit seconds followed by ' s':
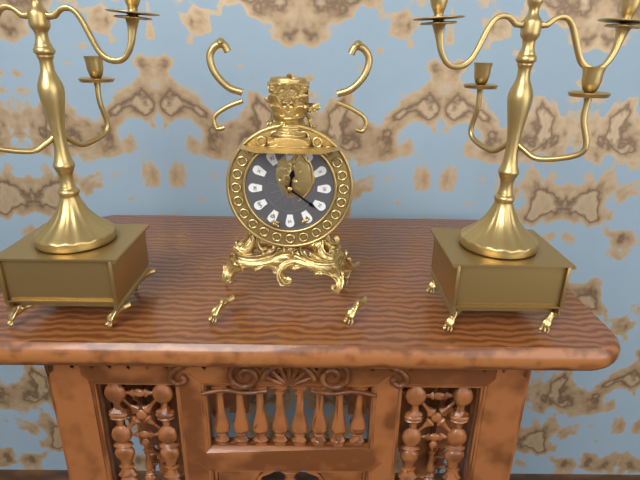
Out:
12 h 21 min
